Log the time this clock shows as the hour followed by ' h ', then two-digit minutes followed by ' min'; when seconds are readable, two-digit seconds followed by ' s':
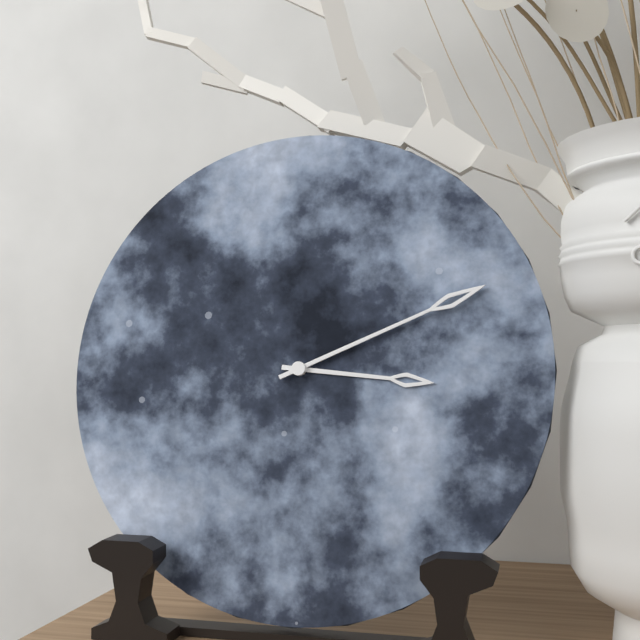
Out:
3 h 11 min
